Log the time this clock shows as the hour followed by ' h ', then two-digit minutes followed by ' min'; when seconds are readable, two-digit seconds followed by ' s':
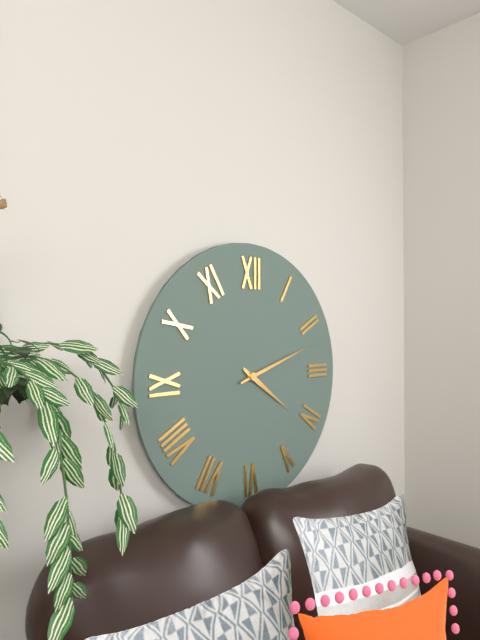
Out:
4 h 12 min
